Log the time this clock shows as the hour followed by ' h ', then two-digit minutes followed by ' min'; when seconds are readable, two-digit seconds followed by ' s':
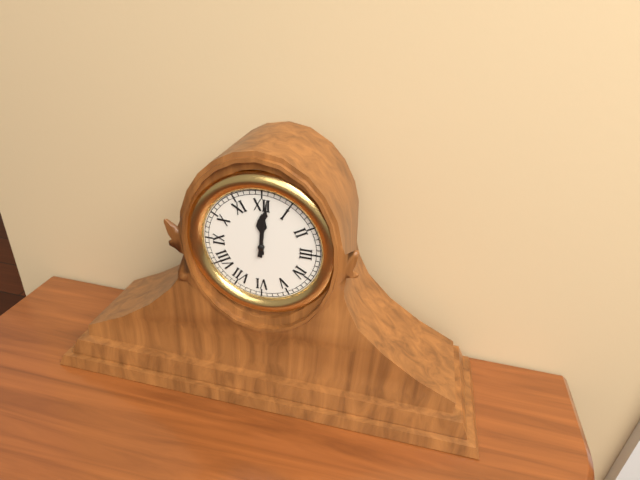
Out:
12 h 01 min
